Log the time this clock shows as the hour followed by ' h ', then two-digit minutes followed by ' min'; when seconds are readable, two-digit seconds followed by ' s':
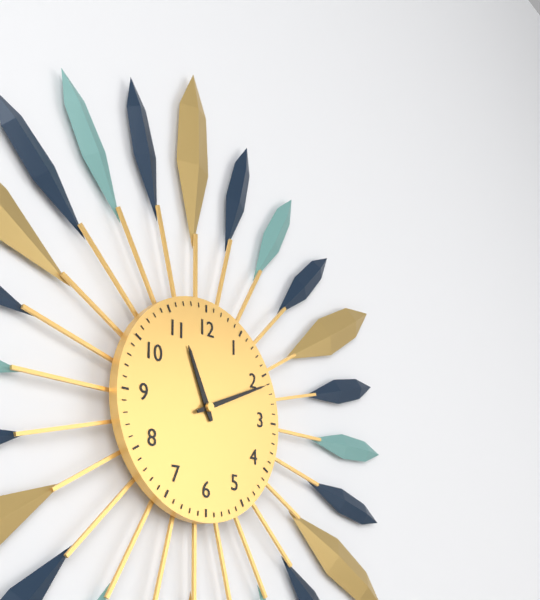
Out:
11 h 11 min
